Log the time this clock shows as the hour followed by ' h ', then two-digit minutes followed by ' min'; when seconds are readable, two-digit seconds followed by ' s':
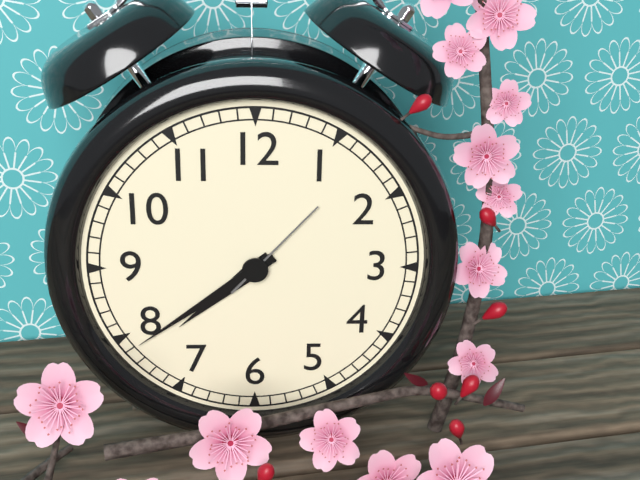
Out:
7 h 39 min 07 s
